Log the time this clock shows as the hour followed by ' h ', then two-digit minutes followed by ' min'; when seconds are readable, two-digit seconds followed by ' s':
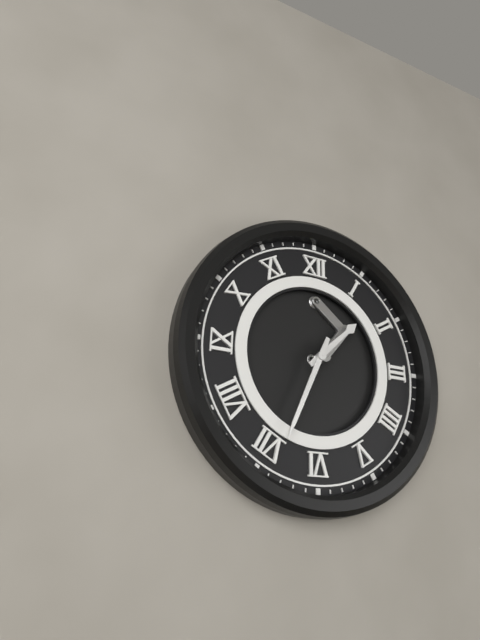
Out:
1 h 34 min
